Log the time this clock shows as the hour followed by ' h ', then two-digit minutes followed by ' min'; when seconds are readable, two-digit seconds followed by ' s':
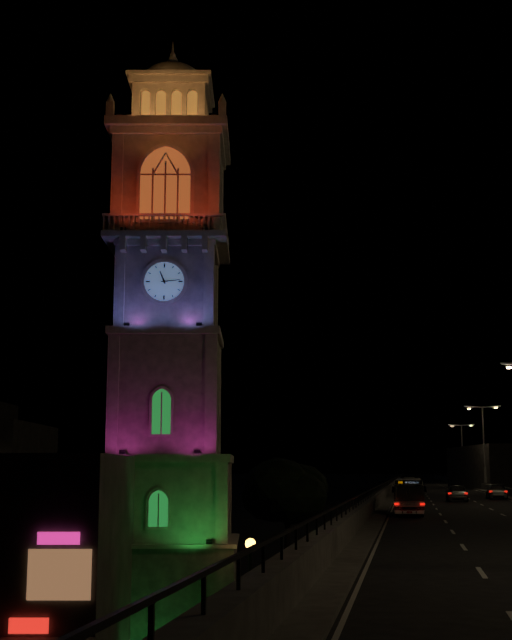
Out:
11 h 14 min
